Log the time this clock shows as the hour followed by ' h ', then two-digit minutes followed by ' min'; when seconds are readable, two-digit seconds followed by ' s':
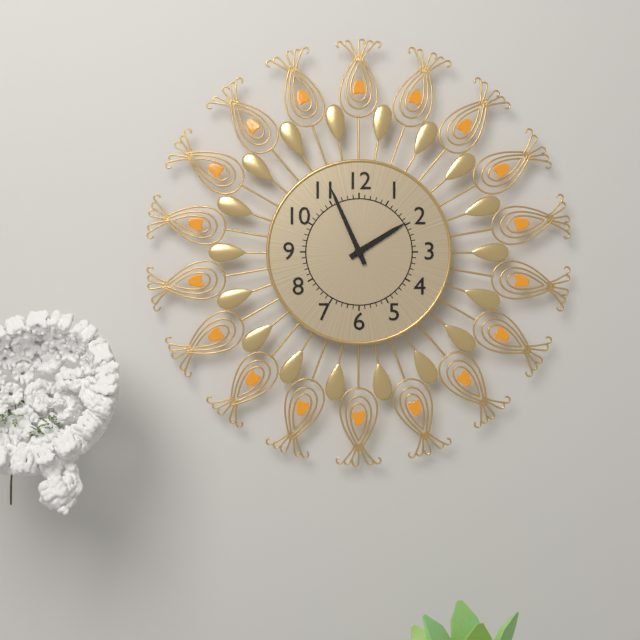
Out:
1 h 56 min
